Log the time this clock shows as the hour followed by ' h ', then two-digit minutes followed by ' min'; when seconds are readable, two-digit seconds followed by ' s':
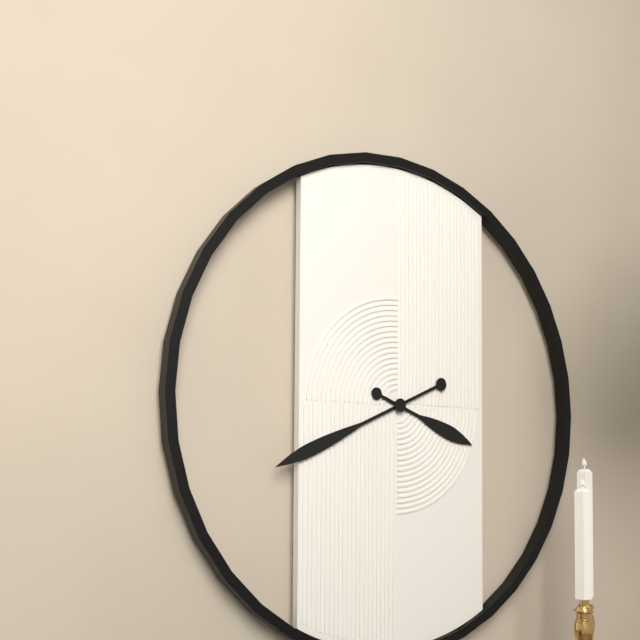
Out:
3 h 41 min
